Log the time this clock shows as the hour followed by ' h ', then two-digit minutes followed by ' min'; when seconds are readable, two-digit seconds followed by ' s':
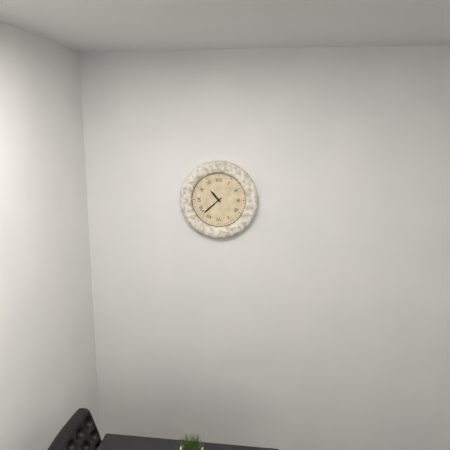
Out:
10 h 38 min
